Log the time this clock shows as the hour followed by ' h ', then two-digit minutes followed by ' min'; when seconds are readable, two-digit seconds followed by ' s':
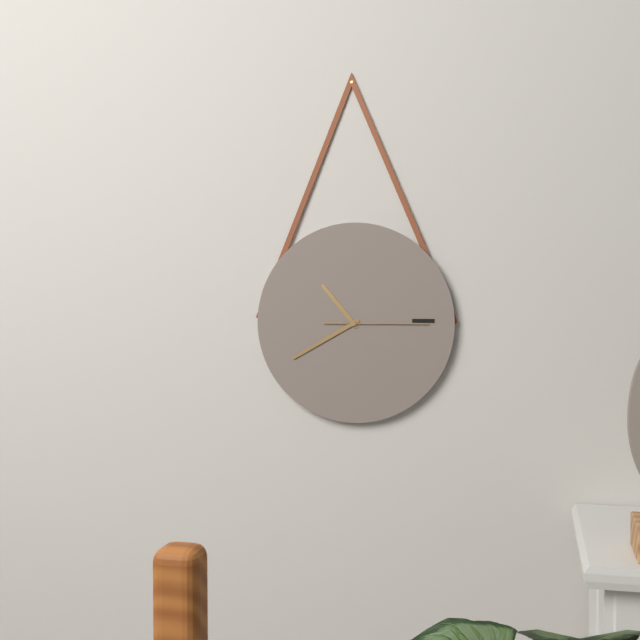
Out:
10 h 40 min 15 s
